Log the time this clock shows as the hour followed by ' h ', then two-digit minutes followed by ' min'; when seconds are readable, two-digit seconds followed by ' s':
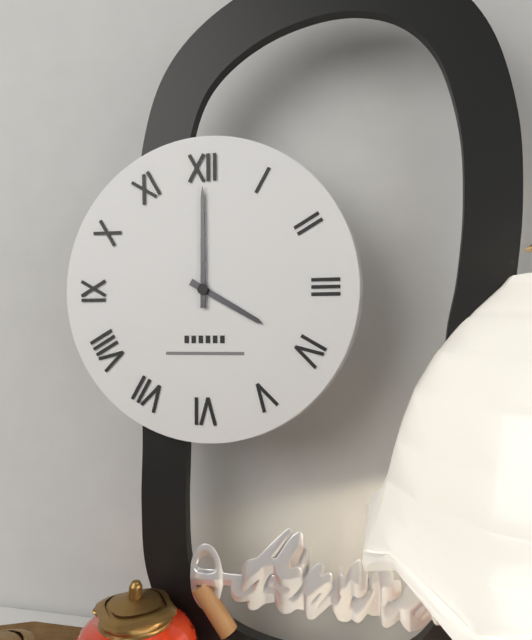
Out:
4 h 00 min
